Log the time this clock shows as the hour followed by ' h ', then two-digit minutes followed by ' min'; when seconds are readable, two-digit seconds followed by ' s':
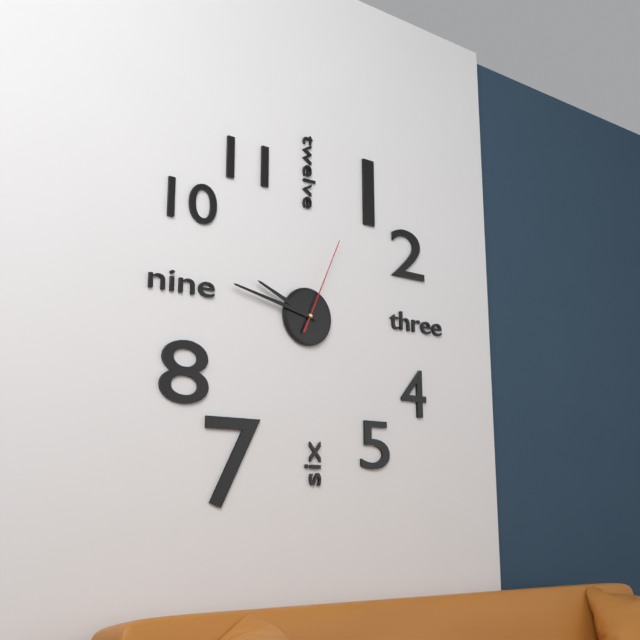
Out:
9 h 47 min 04 s
